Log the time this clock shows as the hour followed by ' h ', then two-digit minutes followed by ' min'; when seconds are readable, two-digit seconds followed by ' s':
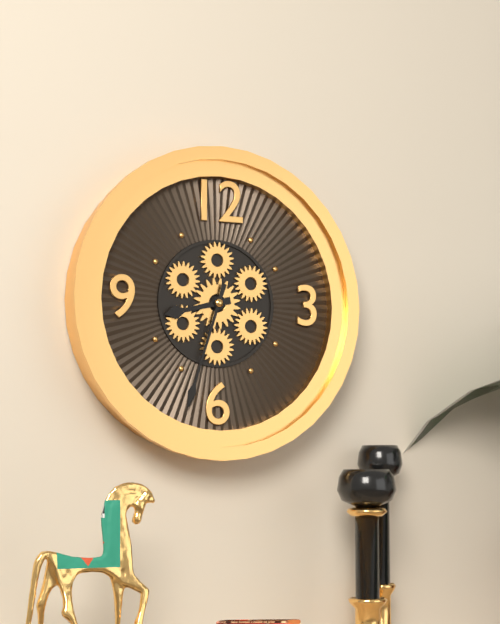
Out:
8 h 33 min
